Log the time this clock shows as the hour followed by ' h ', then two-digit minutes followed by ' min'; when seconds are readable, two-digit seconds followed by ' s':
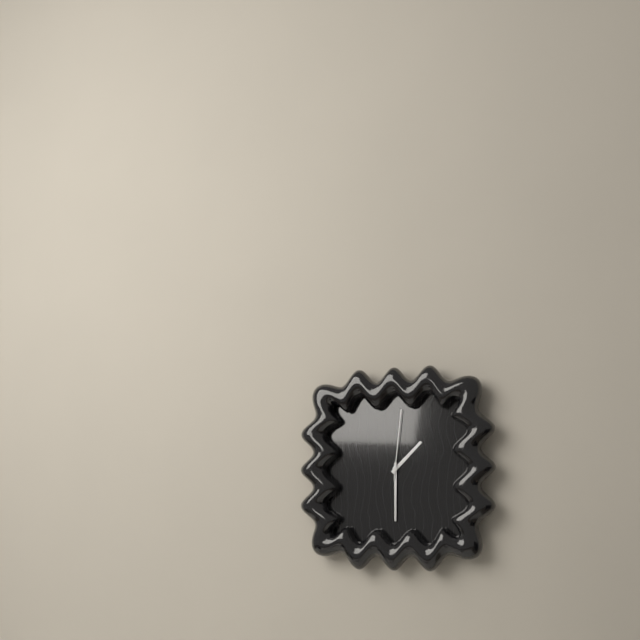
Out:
1 h 30 min 01 s
